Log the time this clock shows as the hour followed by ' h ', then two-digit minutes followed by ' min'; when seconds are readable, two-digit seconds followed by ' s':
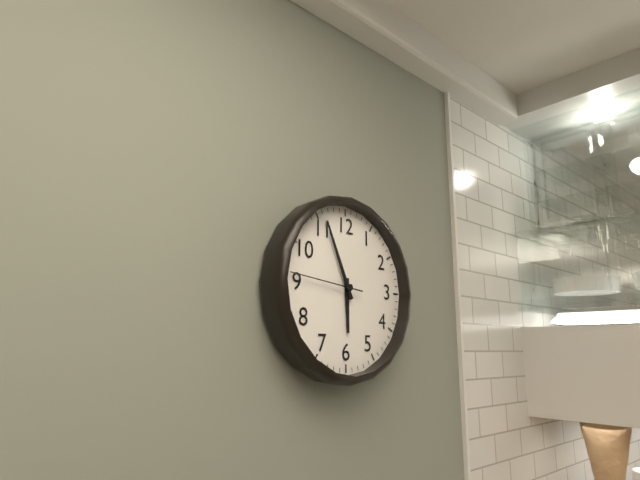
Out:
5 h 56 min 46 s
